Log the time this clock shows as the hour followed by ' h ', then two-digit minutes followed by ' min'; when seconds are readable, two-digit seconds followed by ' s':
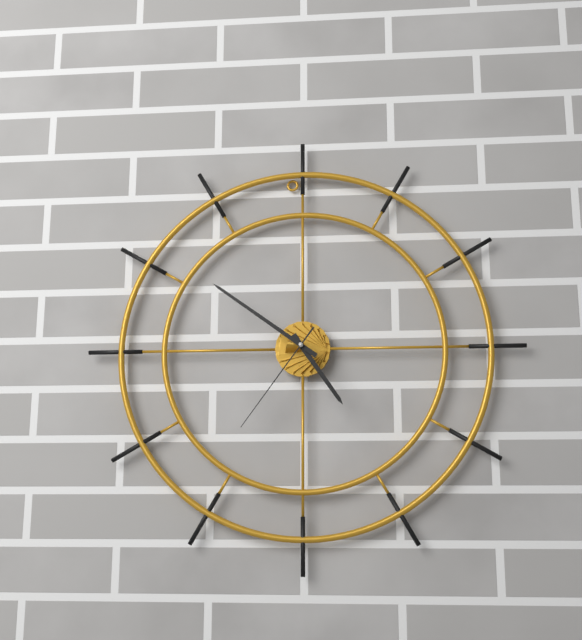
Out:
4 h 51 min 36 s
